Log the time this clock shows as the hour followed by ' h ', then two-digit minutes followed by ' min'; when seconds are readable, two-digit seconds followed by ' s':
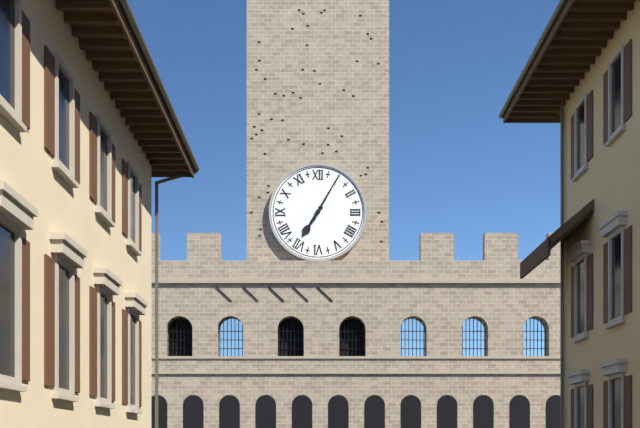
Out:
7 h 05 min
